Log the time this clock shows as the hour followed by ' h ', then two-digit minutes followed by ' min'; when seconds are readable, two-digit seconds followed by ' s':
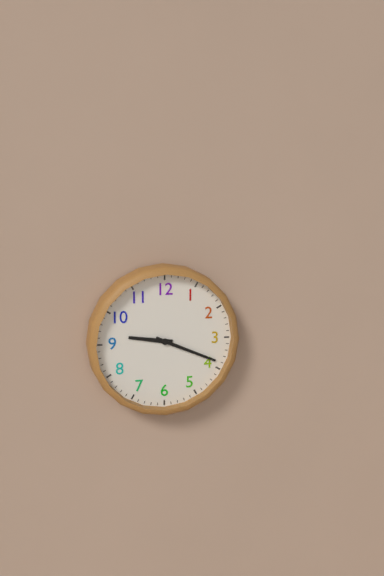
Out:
9 h 19 min
